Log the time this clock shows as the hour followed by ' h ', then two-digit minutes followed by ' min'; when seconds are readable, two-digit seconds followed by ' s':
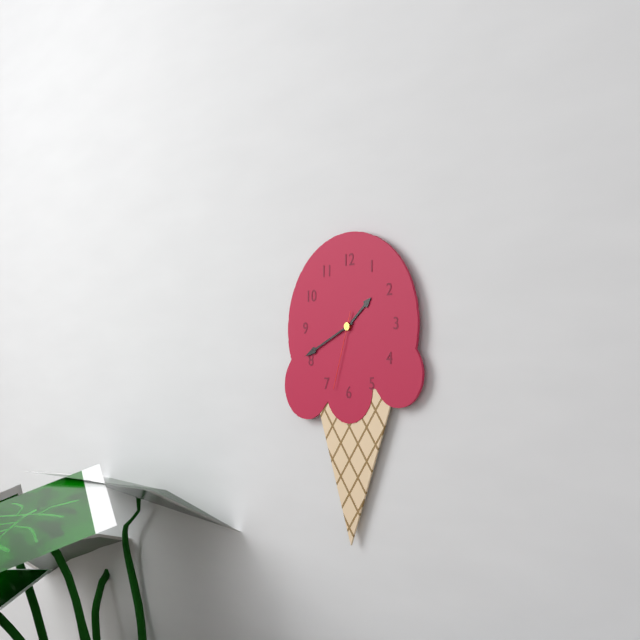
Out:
1 h 41 min 33 s
